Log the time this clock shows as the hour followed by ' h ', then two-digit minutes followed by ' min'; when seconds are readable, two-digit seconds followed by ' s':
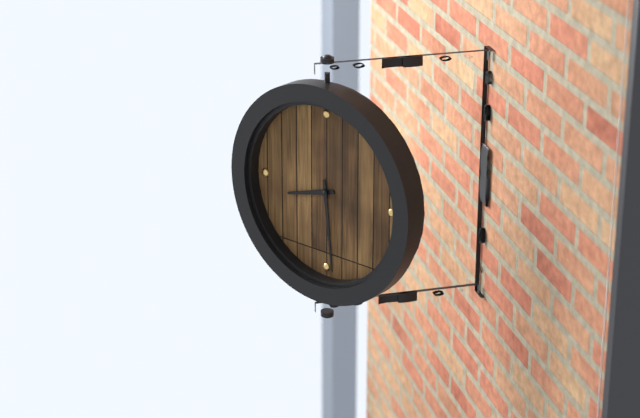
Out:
8 h 29 min
